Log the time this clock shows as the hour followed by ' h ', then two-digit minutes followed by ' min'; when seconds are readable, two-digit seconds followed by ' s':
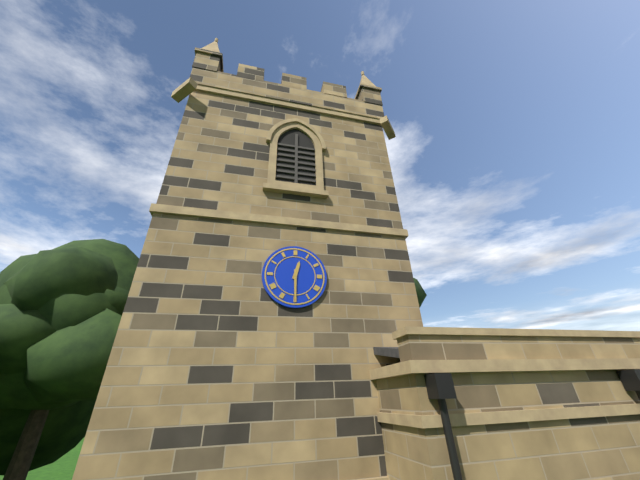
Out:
12 h 30 min
